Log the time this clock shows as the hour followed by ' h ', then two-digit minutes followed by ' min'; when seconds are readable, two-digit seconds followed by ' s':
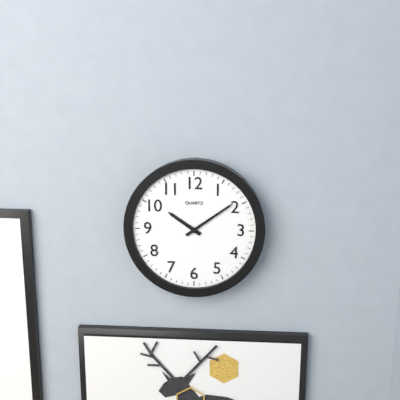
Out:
10 h 09 min
